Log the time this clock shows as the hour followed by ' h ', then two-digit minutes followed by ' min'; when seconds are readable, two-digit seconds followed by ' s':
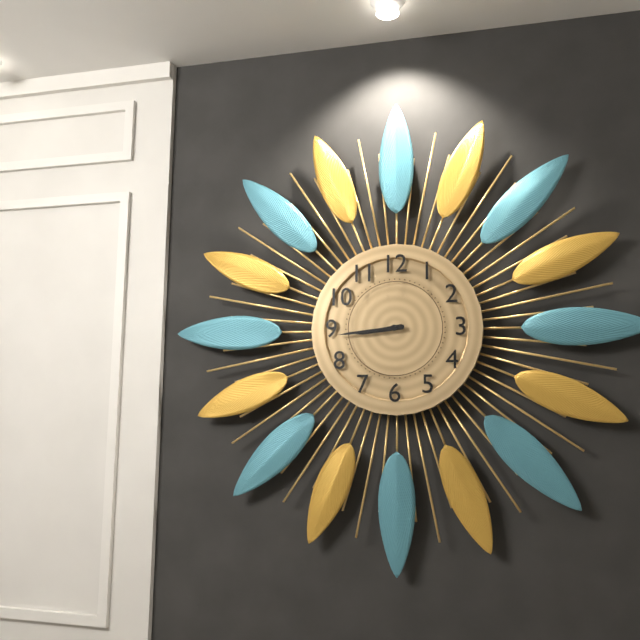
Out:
8 h 44 min
